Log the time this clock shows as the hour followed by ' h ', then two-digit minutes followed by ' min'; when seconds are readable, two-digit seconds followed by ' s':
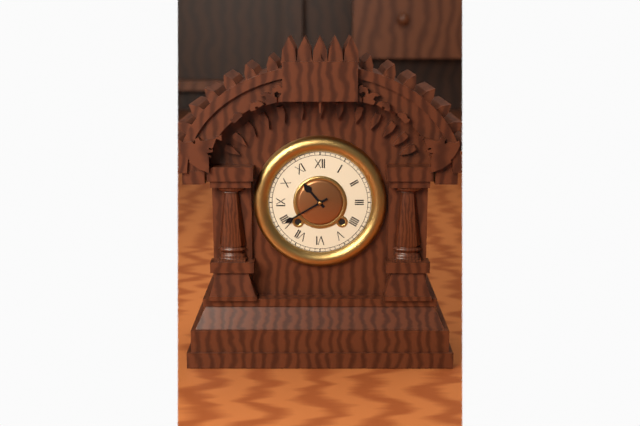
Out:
10 h 40 min
